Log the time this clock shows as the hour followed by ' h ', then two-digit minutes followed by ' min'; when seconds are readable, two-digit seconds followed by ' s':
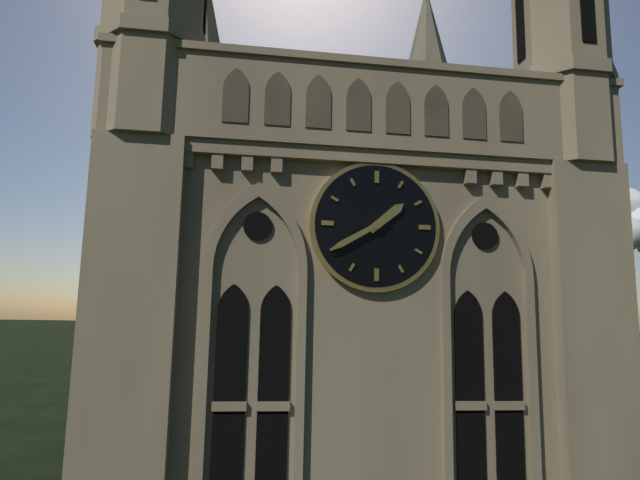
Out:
1 h 40 min
